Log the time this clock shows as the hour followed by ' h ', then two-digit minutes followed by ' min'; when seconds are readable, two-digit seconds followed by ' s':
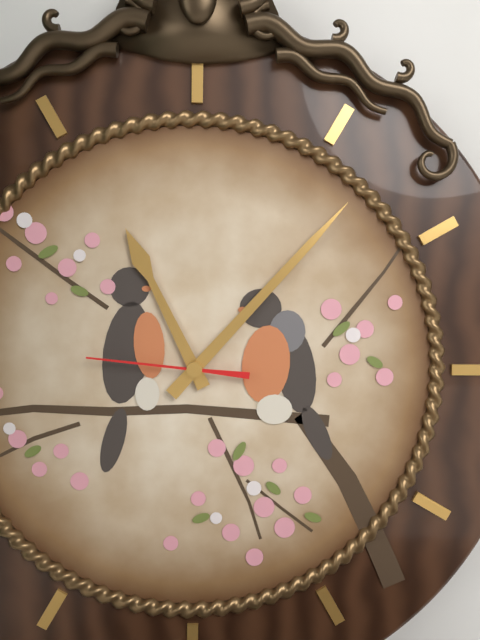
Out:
11 h 07 min 46 s
